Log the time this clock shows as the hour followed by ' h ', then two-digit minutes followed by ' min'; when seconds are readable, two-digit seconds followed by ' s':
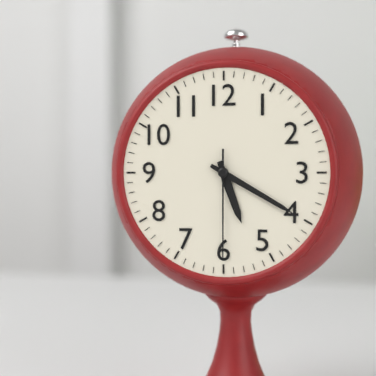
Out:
5 h 20 min 30 s
